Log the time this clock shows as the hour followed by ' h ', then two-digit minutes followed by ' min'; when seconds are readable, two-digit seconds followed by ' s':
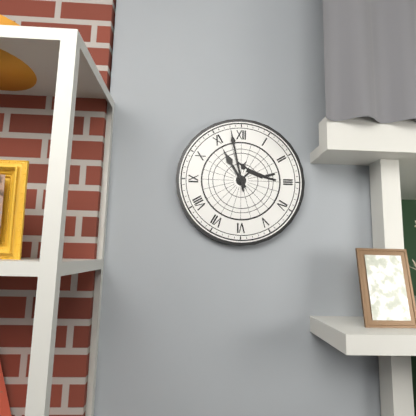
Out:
10 h 58 min
